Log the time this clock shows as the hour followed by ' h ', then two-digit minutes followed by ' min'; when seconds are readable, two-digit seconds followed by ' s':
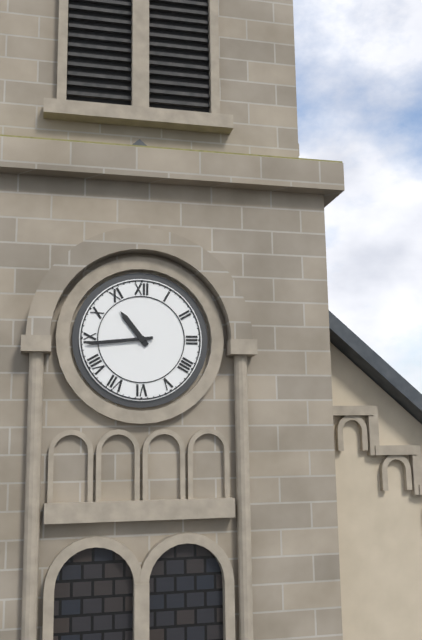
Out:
10 h 44 min
